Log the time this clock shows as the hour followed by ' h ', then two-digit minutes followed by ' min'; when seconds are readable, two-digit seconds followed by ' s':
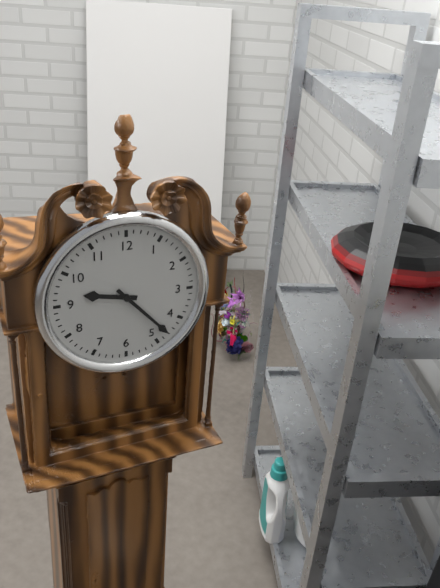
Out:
9 h 23 min
